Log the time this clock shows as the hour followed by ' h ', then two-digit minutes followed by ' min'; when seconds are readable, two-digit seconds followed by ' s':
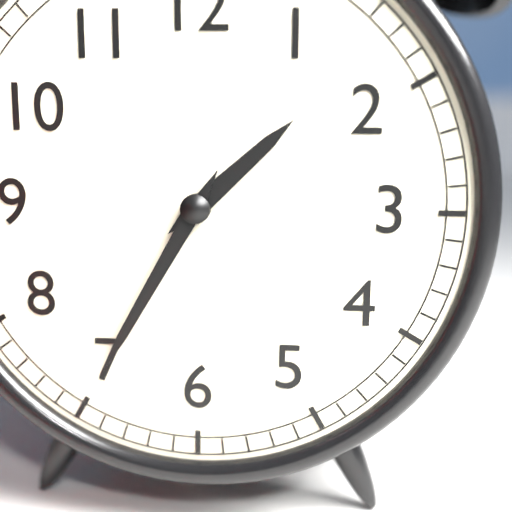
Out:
1 h 35 min
